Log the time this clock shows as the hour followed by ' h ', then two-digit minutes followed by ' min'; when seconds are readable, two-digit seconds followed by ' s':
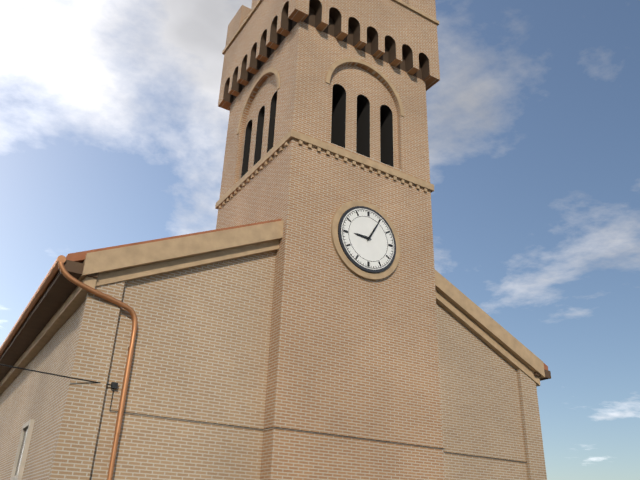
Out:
9 h 05 min
